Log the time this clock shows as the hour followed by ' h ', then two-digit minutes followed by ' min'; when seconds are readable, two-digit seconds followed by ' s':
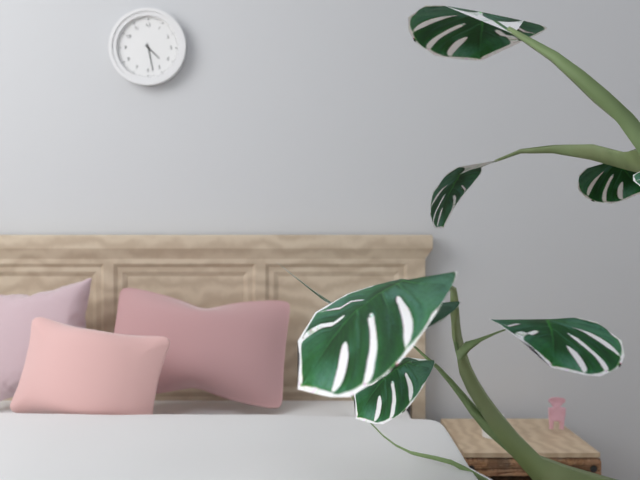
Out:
4 h 28 min
